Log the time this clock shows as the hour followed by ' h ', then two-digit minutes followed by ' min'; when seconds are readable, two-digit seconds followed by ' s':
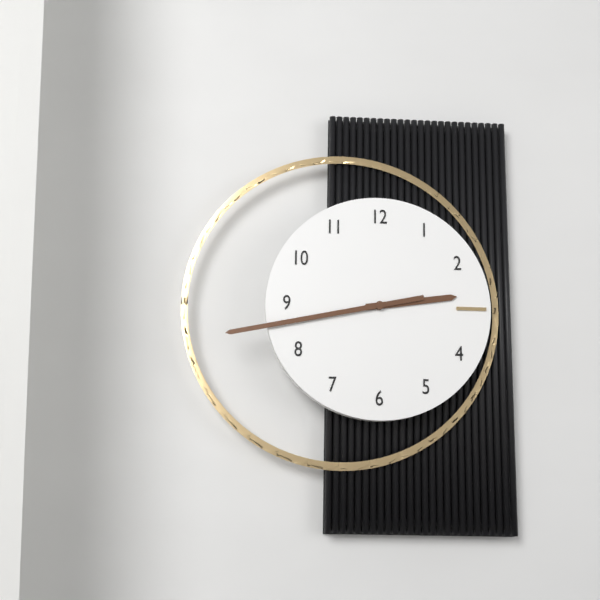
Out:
2 h 43 min
